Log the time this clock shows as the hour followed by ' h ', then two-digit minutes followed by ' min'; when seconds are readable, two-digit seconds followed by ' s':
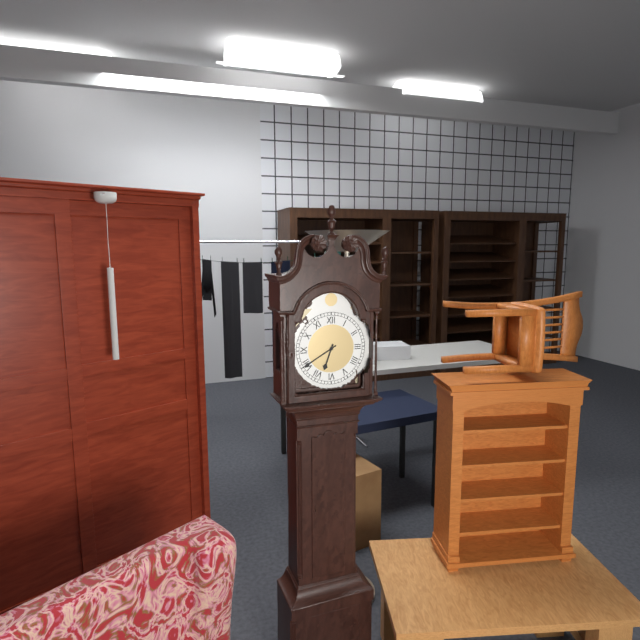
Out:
6 h 40 min
